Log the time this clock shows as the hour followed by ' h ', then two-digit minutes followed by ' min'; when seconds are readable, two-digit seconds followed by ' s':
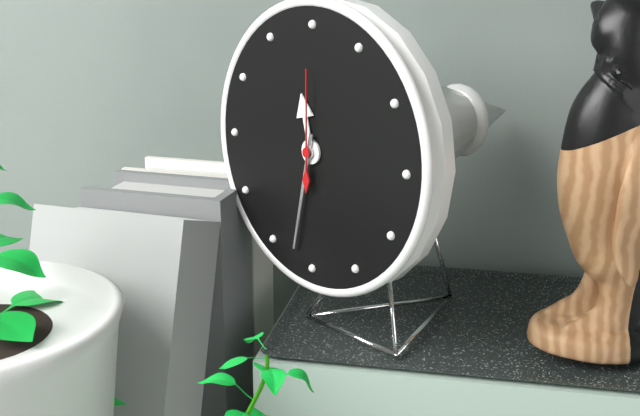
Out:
11 h 32 min 00 s
